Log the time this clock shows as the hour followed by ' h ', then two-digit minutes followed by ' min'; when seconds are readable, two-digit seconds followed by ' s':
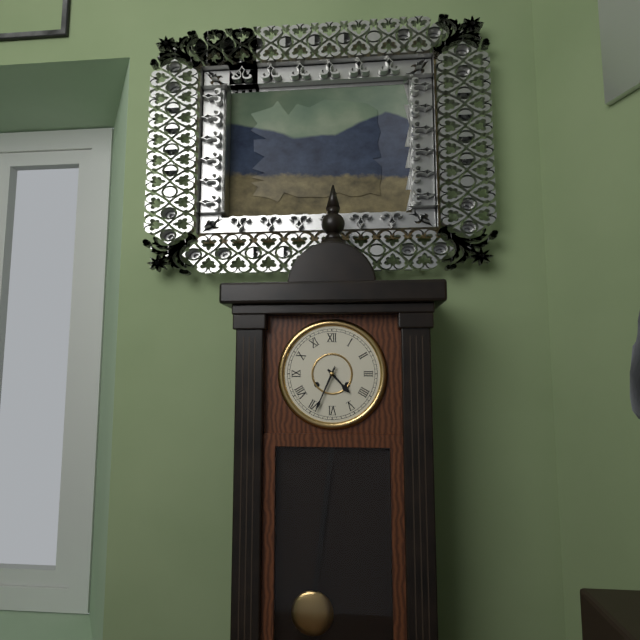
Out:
4 h 34 min
